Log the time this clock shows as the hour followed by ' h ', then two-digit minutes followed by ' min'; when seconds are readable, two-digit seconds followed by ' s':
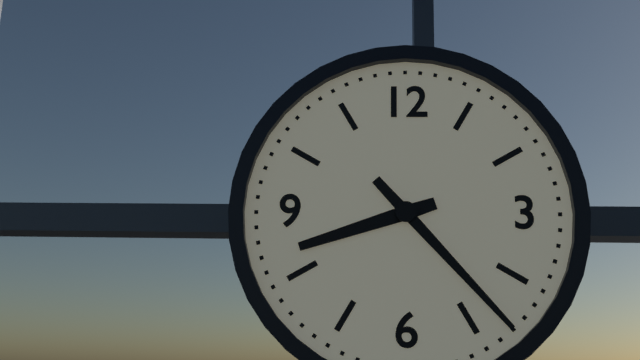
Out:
8 h 23 min
